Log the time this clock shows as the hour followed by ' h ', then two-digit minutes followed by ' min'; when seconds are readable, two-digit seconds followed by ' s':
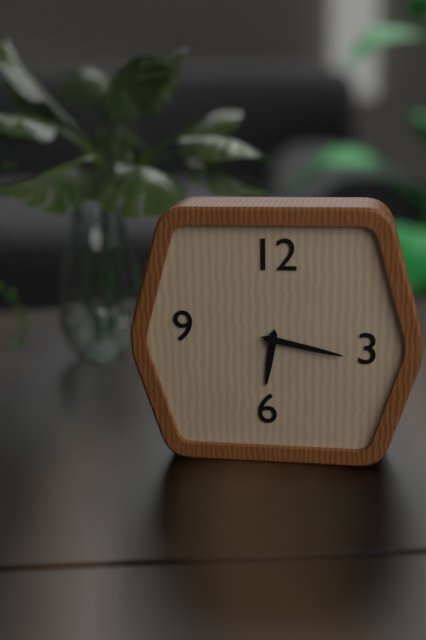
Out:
6 h 17 min
